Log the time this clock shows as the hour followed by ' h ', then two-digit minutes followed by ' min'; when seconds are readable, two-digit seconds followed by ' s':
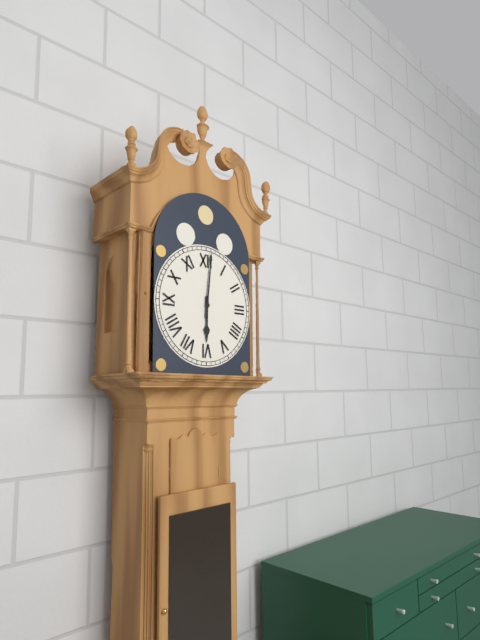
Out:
6 h 01 min
